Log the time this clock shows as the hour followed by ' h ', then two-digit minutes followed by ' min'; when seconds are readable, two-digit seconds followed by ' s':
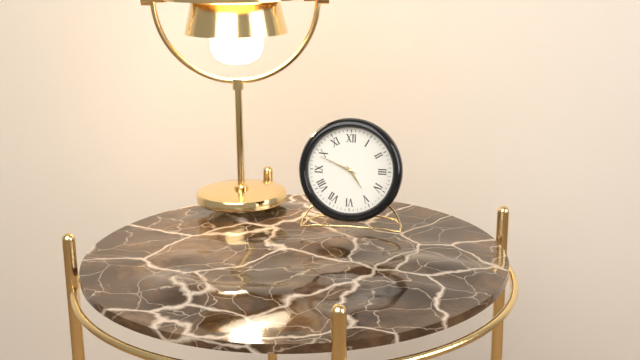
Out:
4 h 49 min
